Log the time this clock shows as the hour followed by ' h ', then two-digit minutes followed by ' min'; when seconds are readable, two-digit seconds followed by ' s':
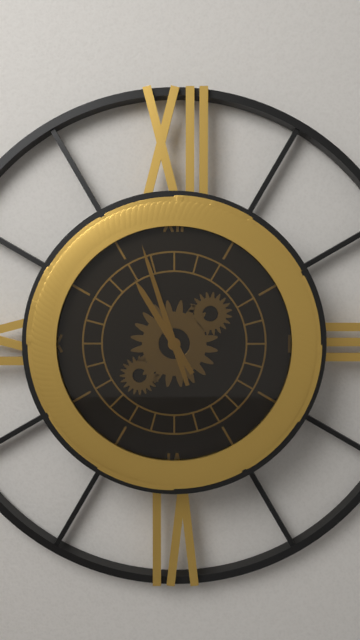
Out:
10 h 57 min
